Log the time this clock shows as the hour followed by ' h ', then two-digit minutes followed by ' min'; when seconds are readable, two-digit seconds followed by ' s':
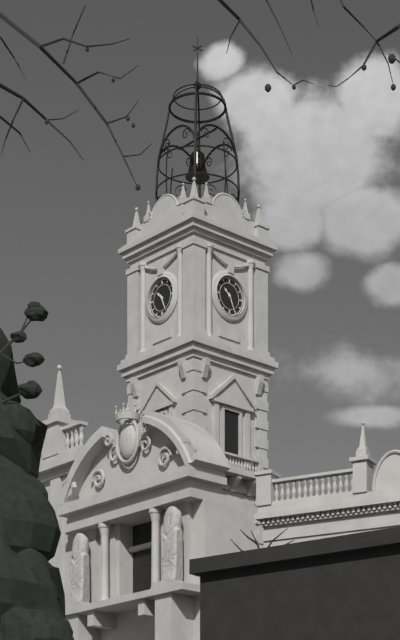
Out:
10 h 26 min
